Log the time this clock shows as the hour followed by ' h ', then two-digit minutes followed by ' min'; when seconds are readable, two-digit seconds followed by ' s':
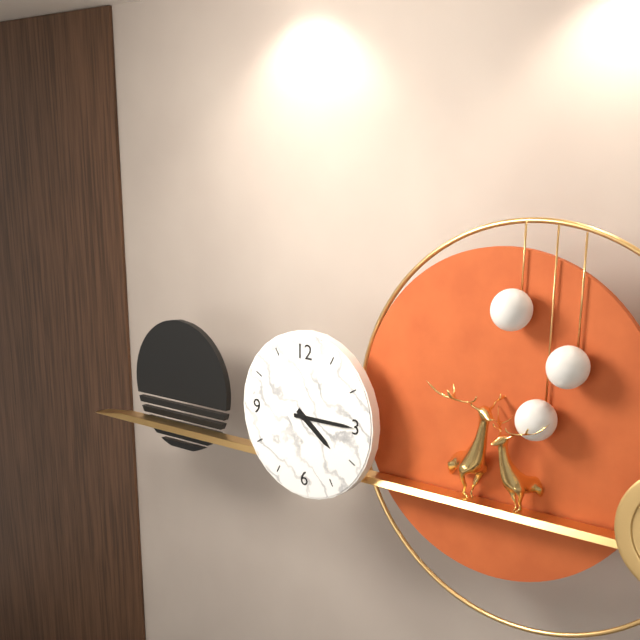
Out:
4 h 15 min
